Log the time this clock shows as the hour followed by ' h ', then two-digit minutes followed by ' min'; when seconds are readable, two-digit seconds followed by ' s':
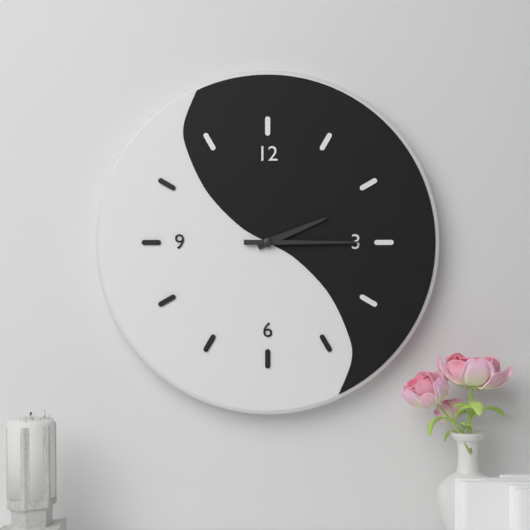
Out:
2 h 15 min
